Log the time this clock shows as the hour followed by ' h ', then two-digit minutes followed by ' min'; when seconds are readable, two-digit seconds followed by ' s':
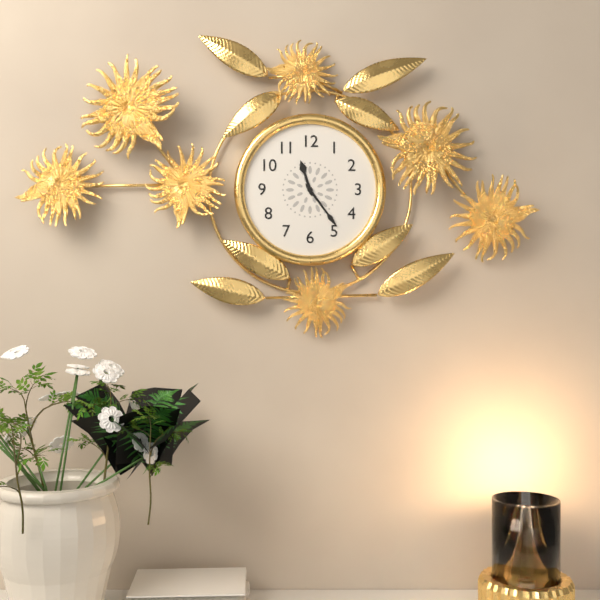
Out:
11 h 24 min
